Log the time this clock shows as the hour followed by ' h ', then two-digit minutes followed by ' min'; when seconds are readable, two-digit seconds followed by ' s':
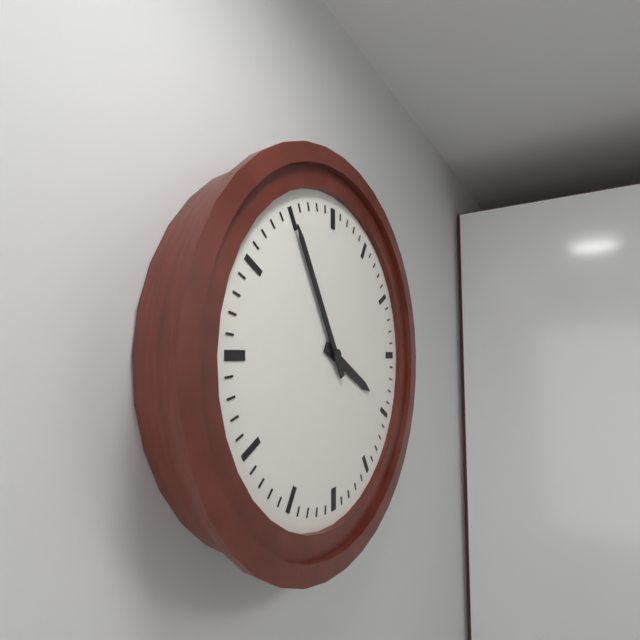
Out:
3 h 55 min
